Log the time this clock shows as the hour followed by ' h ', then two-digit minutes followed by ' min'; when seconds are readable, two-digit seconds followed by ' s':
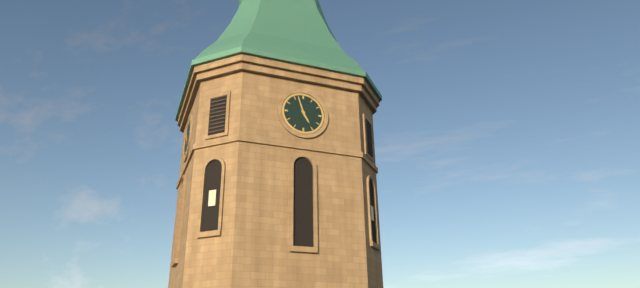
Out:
4 h 57 min
